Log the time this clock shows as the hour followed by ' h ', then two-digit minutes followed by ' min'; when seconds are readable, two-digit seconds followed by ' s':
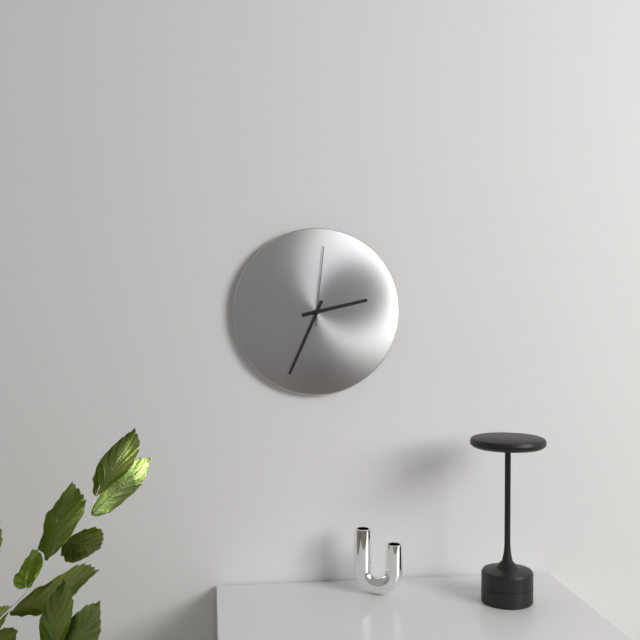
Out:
2 h 34 min 01 s
